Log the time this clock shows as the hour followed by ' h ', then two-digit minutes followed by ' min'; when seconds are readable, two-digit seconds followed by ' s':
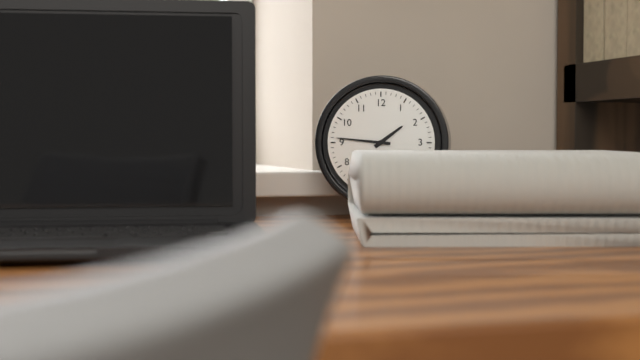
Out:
1 h 46 min
